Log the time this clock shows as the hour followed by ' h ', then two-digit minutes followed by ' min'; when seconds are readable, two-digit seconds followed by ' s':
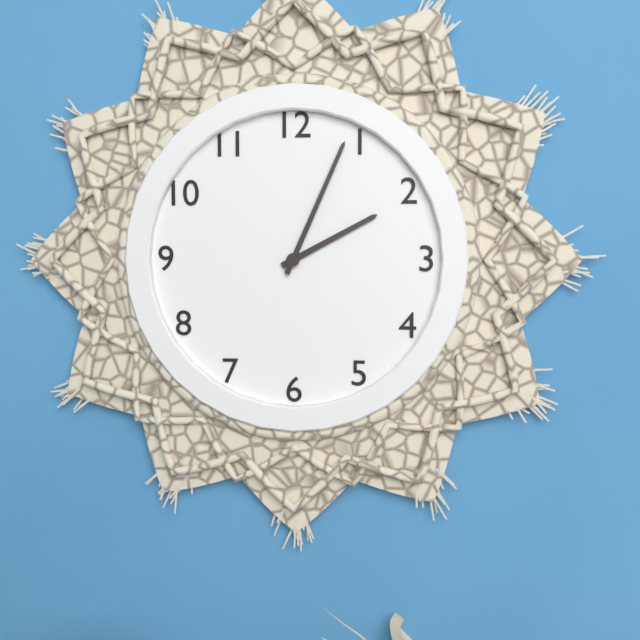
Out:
2 h 04 min
